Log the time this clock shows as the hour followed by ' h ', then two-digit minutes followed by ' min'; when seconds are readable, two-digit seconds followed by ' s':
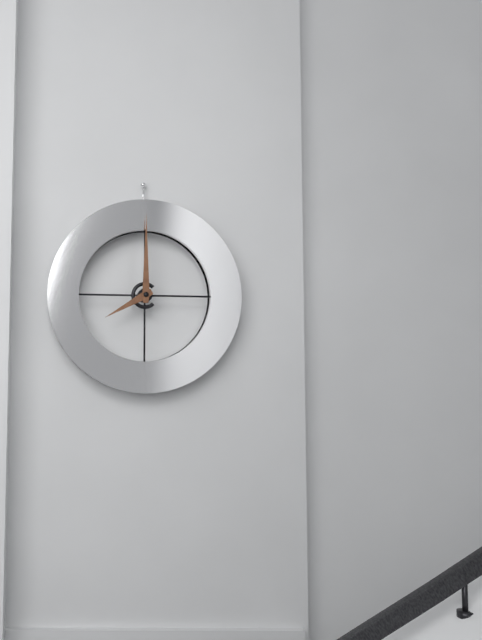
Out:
8 h 00 min
